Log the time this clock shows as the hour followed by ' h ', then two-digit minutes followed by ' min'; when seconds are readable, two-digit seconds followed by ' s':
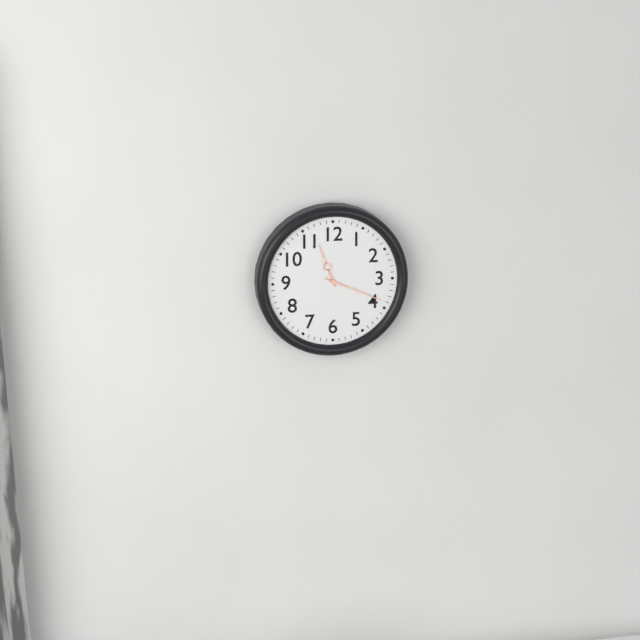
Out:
11 h 19 min
